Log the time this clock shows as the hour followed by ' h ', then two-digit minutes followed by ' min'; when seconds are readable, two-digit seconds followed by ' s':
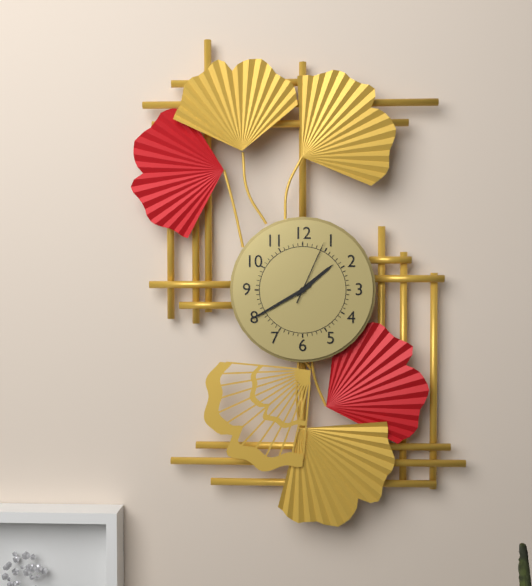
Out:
1 h 40 min 04 s
